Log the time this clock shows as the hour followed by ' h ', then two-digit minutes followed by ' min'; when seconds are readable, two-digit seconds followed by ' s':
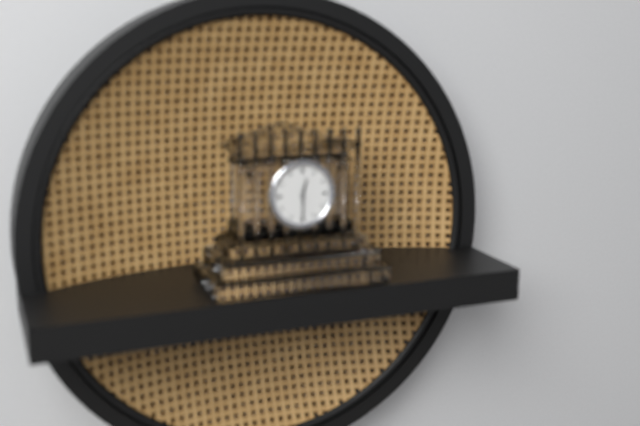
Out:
12 h 30 min
